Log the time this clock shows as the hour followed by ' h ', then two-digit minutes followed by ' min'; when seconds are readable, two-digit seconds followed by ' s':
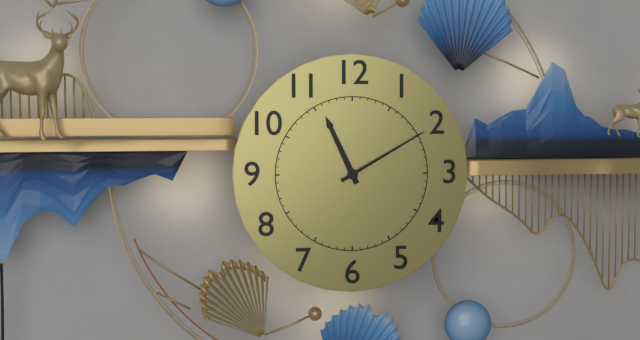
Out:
11 h 10 min
